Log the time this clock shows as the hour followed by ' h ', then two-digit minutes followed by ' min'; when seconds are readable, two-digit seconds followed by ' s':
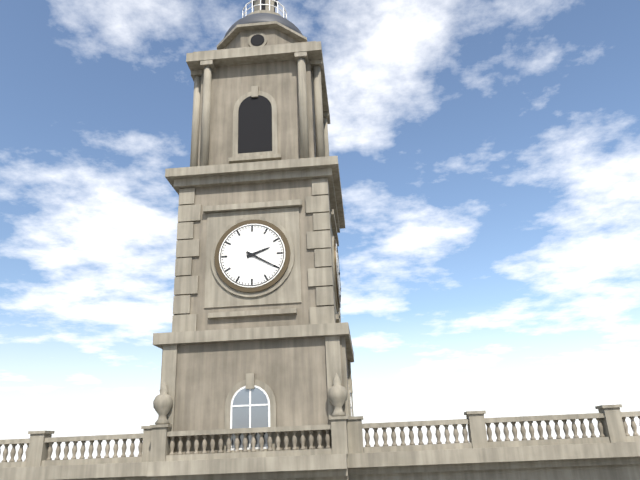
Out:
2 h 20 min
